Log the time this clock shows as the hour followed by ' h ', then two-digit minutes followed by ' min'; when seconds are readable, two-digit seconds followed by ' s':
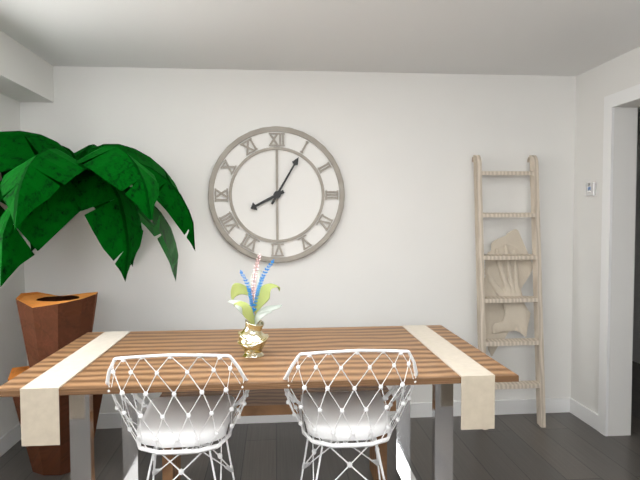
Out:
8 h 05 min
